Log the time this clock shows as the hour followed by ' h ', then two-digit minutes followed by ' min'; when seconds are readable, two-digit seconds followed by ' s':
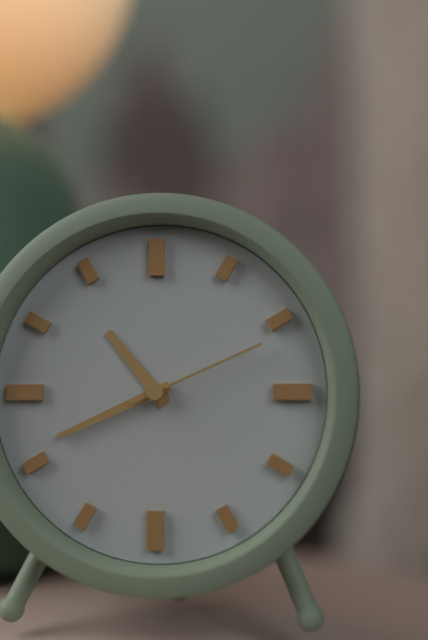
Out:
10 h 41 min 11 s
